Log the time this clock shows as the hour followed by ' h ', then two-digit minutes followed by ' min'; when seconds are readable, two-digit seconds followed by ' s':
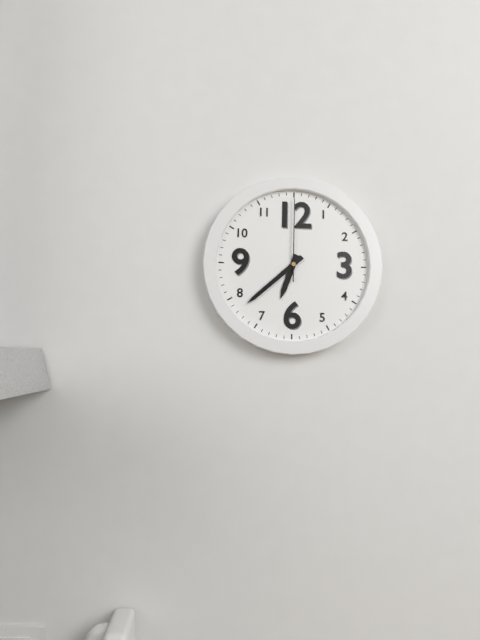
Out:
6 h 38 min 00 s
